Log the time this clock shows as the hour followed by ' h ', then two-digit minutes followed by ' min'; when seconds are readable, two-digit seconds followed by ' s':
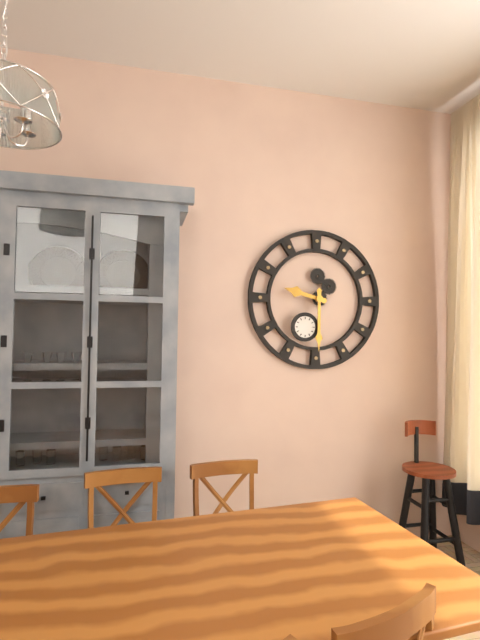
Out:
9 h 30 min
